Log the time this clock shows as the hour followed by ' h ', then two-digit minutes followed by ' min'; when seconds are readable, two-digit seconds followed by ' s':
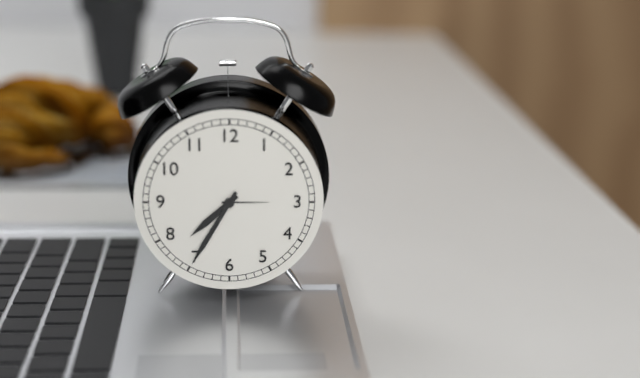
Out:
7 h 35 min
